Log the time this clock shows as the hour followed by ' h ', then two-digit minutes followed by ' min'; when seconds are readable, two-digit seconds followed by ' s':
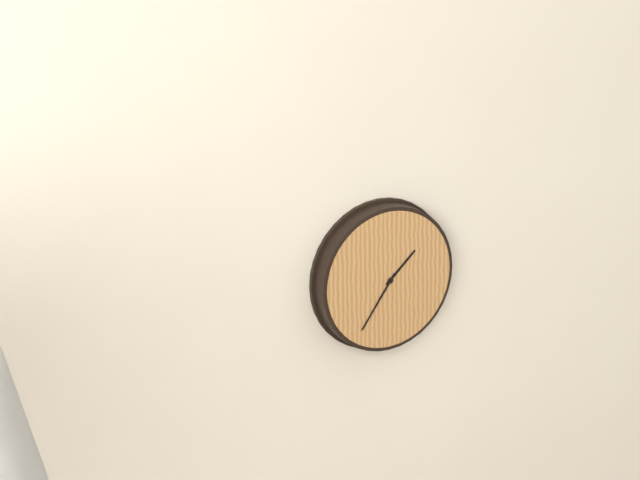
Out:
1 h 36 min
